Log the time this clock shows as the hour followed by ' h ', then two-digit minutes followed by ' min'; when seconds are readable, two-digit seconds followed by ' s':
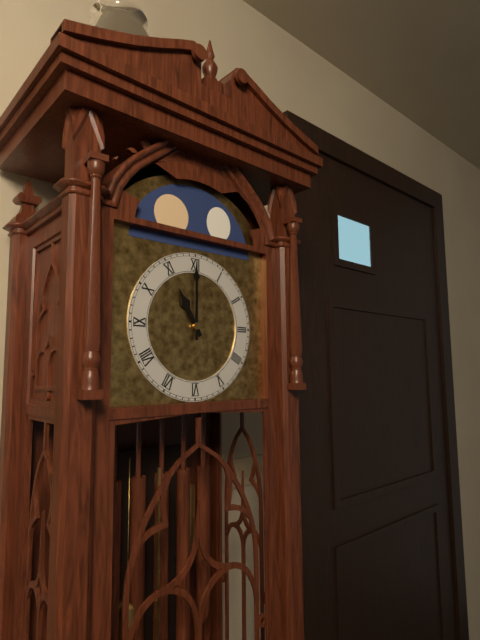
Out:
11 h 00 min
